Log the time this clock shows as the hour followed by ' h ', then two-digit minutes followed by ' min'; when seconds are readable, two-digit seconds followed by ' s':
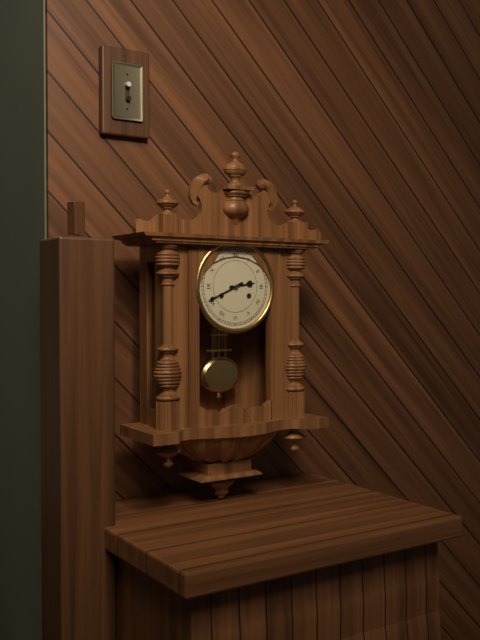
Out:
2 h 41 min
